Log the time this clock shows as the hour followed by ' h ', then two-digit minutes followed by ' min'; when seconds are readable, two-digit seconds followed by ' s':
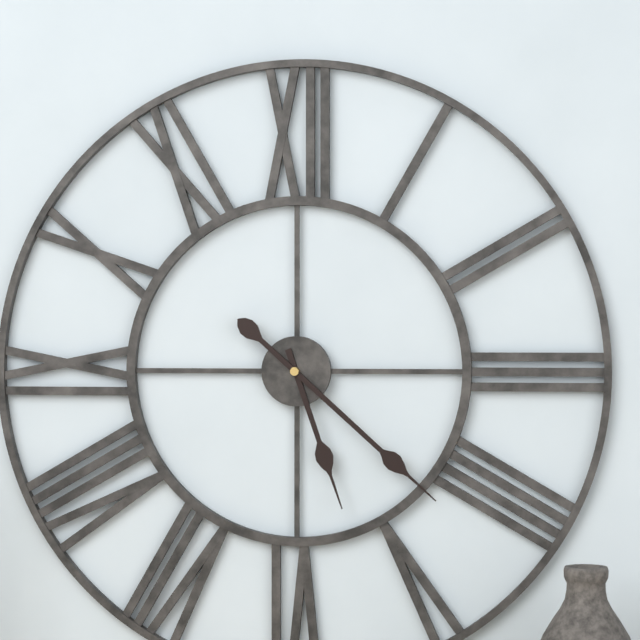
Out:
5 h 22 min
